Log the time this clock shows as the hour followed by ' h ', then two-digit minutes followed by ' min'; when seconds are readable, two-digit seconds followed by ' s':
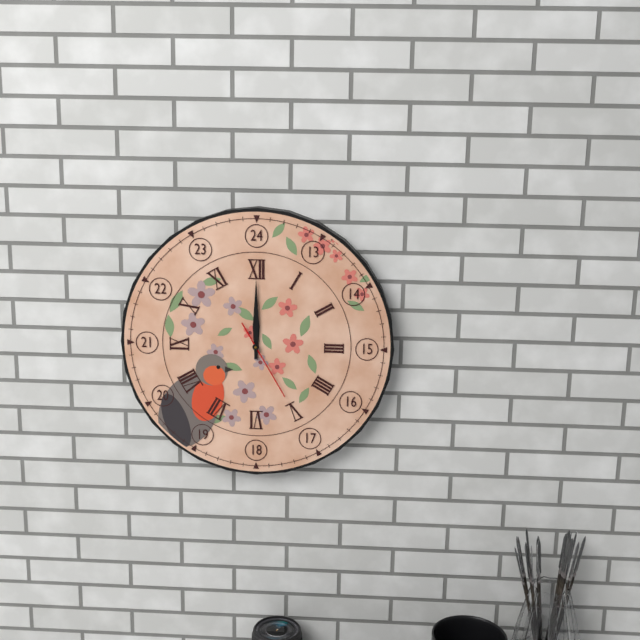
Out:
12 h 00 min 25 s
